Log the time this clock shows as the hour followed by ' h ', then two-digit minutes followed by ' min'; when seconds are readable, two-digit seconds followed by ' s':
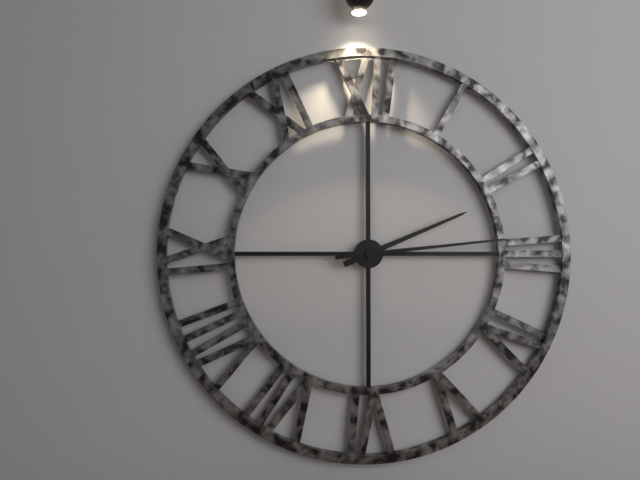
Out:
2 h 14 min
